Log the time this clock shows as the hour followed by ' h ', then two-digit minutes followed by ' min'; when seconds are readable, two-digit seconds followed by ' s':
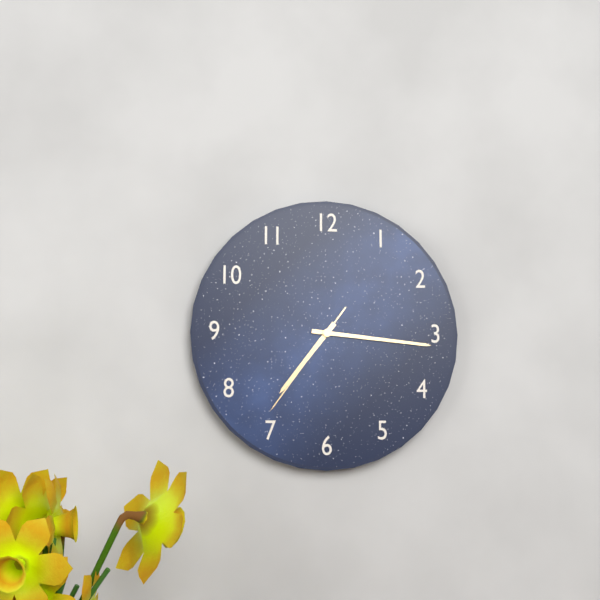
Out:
7 h 16 min 36 s
